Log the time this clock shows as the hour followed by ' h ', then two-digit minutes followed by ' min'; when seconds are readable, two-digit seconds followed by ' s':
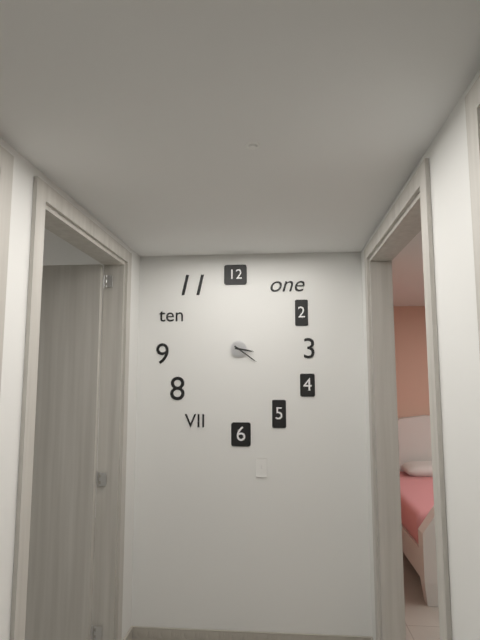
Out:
3 h 21 min
